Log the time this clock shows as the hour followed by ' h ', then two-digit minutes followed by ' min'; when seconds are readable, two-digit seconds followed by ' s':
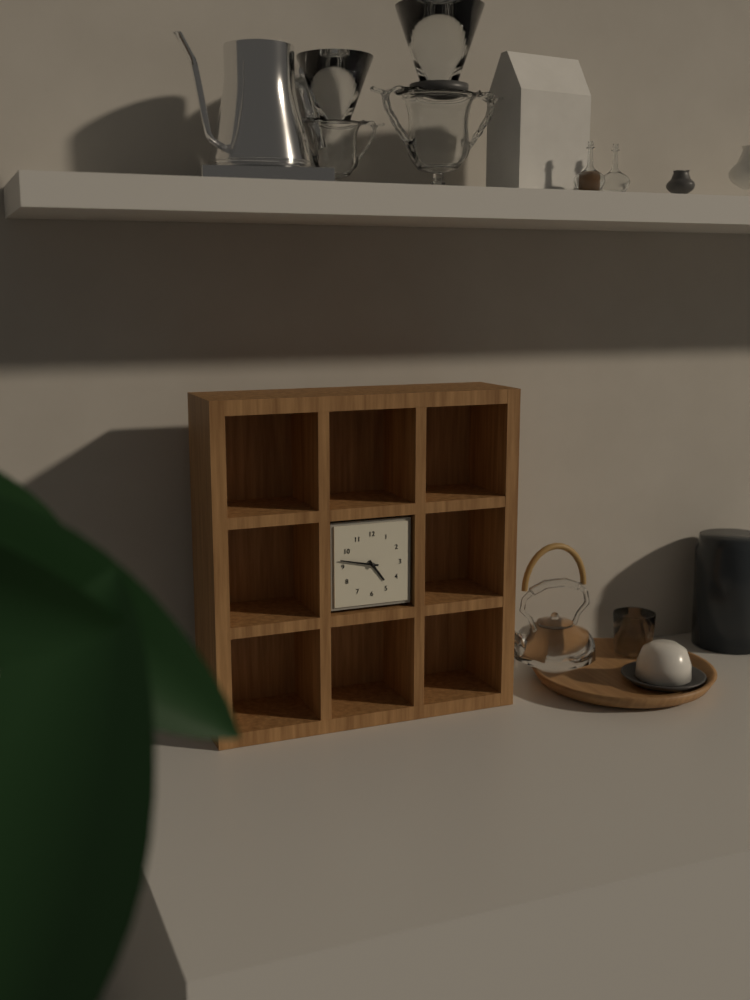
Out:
4 h 47 min
